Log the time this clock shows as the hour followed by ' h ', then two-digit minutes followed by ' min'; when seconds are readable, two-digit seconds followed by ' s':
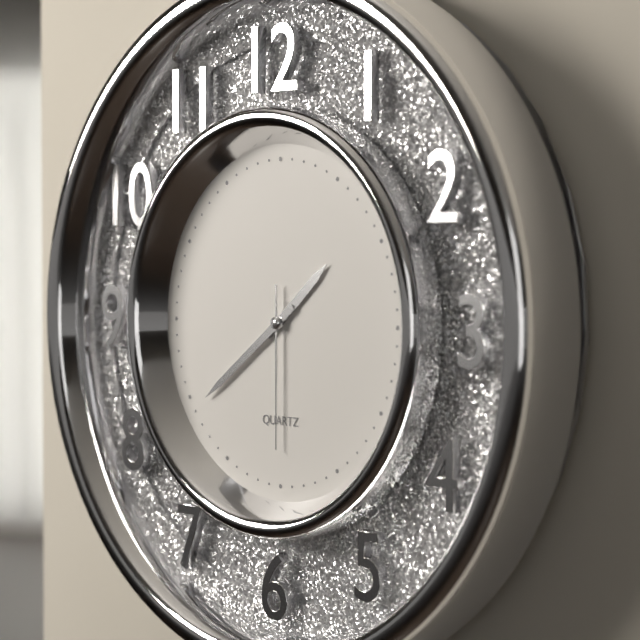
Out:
1 h 39 min 30 s
